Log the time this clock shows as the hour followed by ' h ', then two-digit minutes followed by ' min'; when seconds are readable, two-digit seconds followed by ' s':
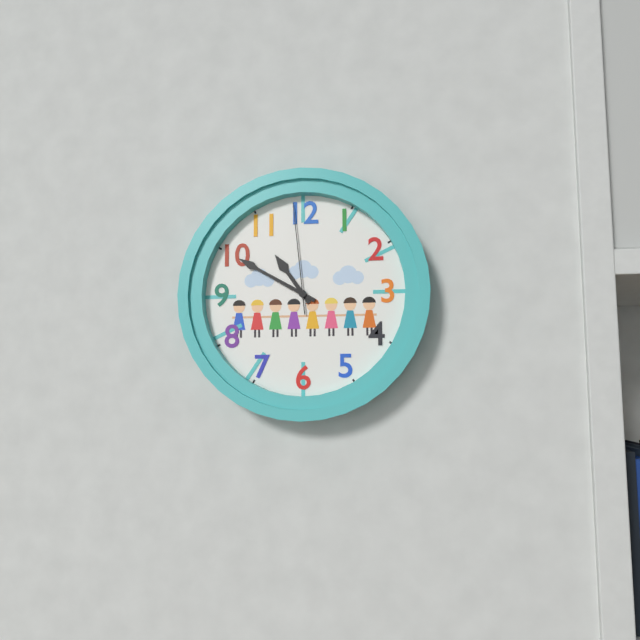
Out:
10 h 50 min 59 s
